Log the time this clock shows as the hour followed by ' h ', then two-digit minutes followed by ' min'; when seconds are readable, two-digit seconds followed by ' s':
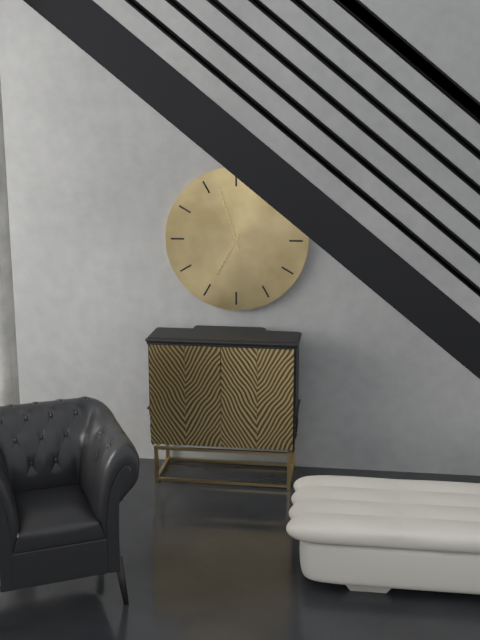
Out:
6 h 57 min
